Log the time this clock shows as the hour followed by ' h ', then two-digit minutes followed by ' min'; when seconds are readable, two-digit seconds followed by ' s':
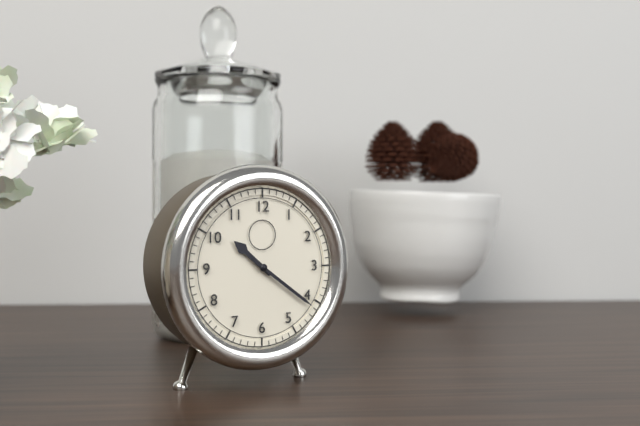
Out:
10 h 21 min
